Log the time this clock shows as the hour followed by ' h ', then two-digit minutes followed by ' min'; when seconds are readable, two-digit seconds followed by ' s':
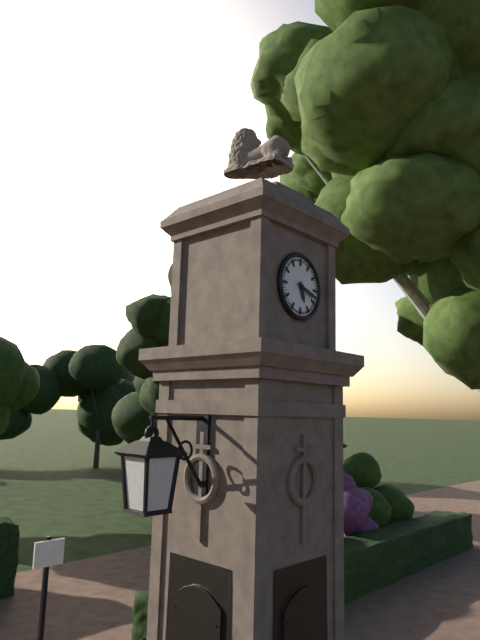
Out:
5 h 18 min
